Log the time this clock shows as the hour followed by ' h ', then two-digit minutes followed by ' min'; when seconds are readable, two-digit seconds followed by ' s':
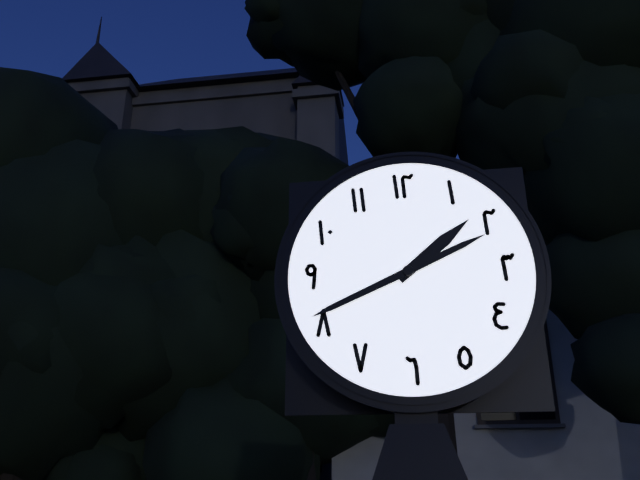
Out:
1 h 41 min
